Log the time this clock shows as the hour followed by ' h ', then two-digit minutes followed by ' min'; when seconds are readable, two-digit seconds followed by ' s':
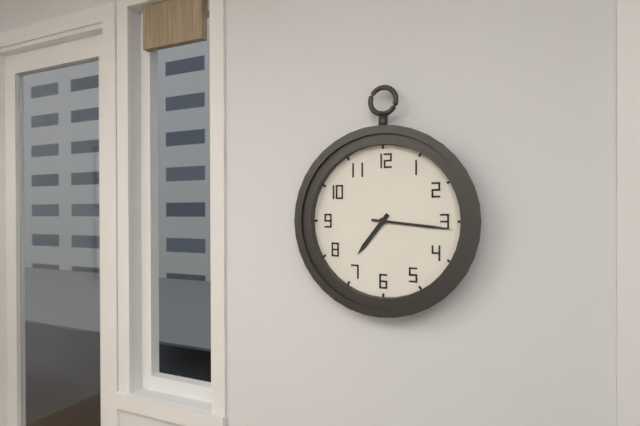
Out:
7 h 16 min
